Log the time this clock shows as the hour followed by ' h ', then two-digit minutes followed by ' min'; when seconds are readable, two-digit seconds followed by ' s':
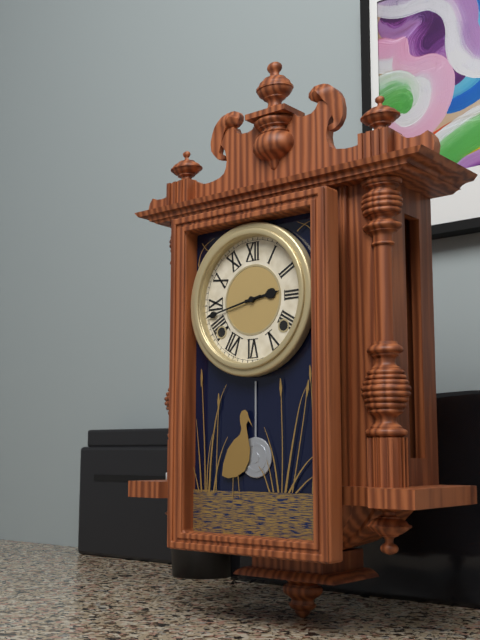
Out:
2 h 43 min
